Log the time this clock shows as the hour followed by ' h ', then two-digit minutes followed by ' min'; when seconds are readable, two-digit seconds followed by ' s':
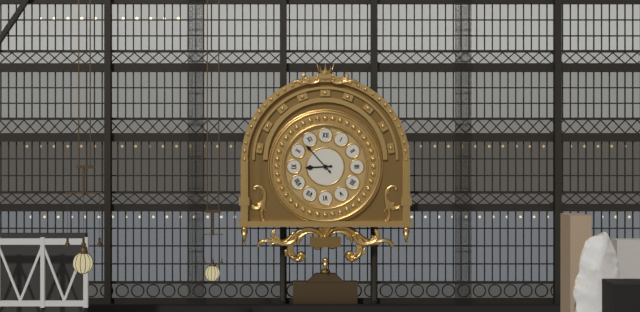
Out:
8 h 53 min
